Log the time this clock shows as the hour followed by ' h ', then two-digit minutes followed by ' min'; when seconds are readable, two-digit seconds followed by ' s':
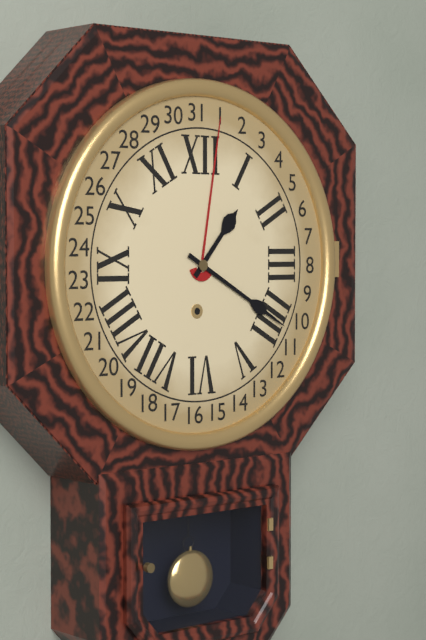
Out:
1 h 20 min
